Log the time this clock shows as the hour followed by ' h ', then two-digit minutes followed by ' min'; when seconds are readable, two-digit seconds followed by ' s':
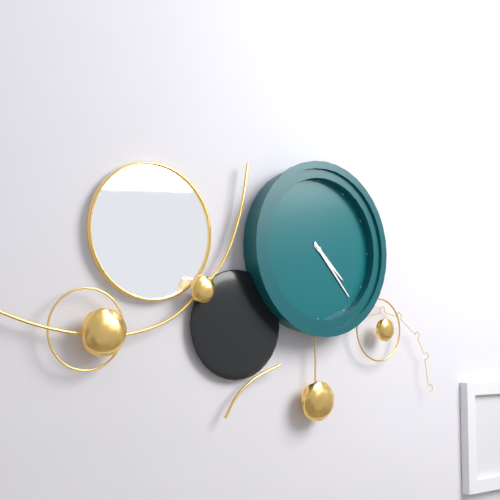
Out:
4 h 23 min
